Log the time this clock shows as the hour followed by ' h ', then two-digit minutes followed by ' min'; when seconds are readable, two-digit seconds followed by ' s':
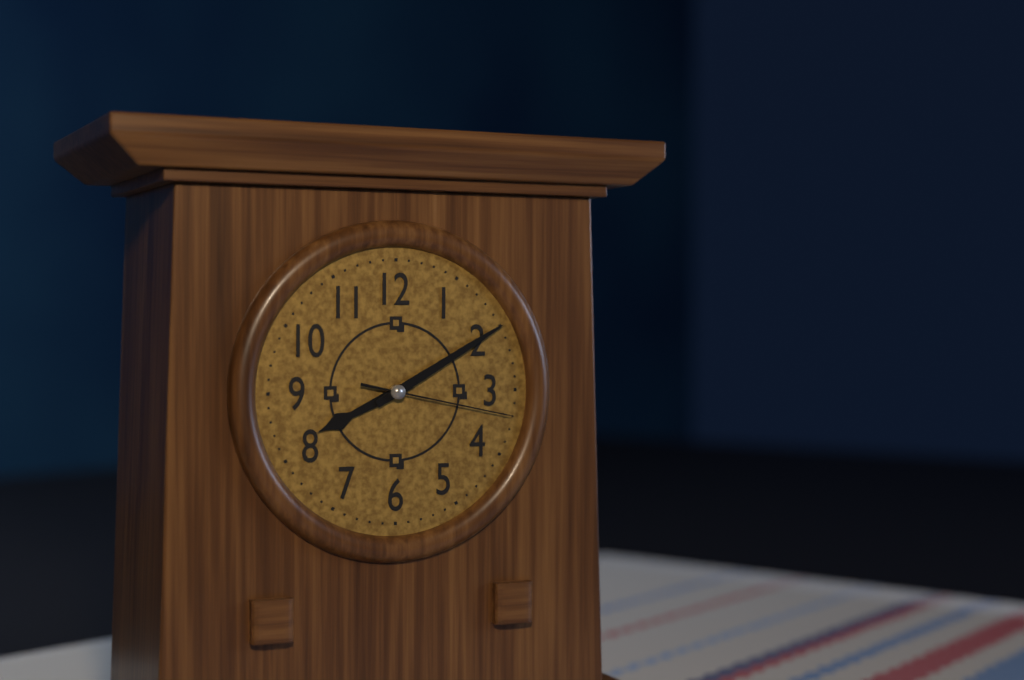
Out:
8 h 10 min 17 s
